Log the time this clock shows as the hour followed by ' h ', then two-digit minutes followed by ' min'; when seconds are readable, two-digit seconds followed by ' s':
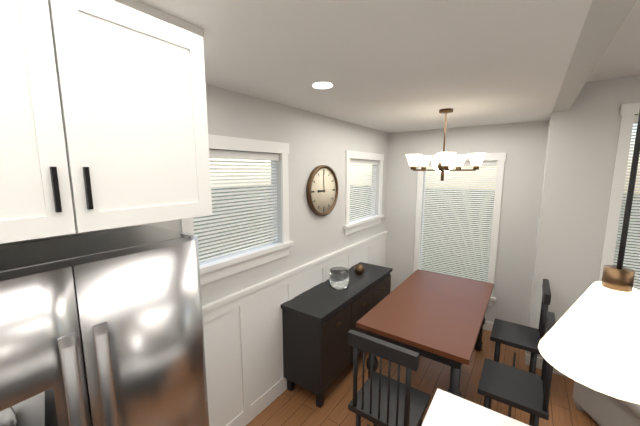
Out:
8 h 59 min
